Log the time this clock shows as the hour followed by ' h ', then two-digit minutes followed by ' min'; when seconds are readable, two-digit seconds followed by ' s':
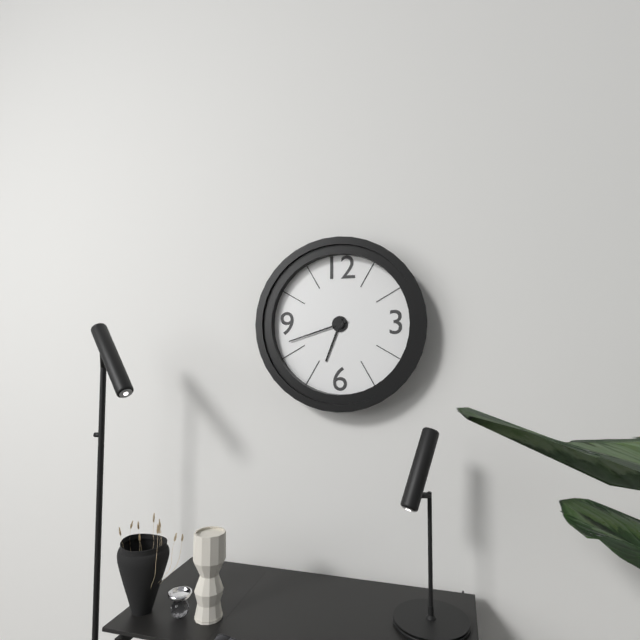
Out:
6 h 42 min
